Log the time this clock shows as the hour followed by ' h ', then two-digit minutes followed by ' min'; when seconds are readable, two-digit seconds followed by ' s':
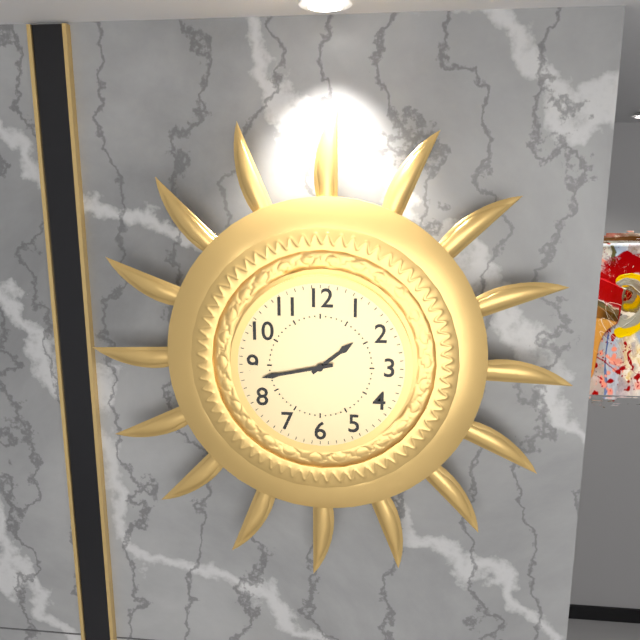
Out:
1 h 43 min
